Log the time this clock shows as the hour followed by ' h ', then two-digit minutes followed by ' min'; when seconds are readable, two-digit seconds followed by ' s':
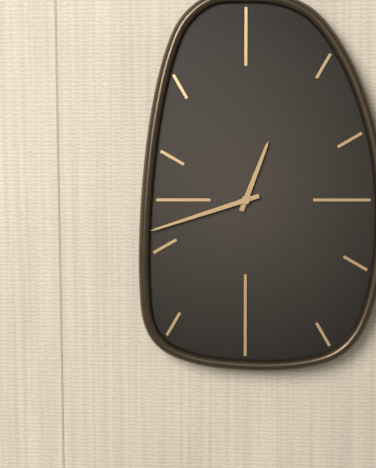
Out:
12 h 42 min
